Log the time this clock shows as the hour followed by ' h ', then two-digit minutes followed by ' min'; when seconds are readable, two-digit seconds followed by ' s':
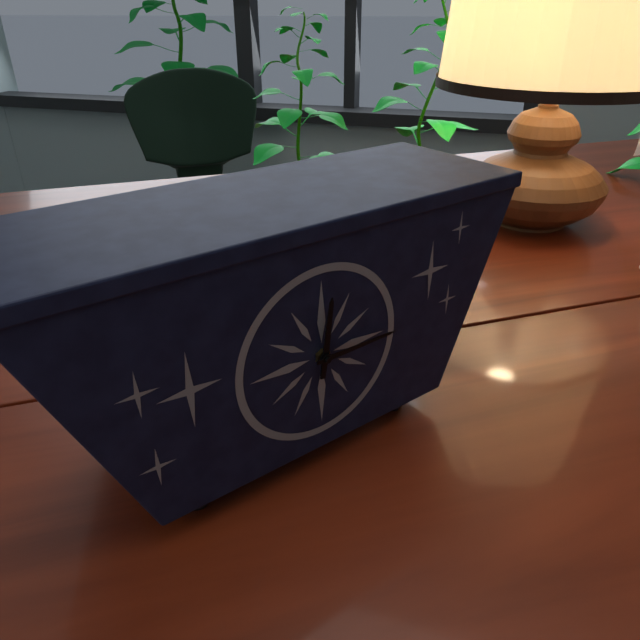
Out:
12 h 15 min
